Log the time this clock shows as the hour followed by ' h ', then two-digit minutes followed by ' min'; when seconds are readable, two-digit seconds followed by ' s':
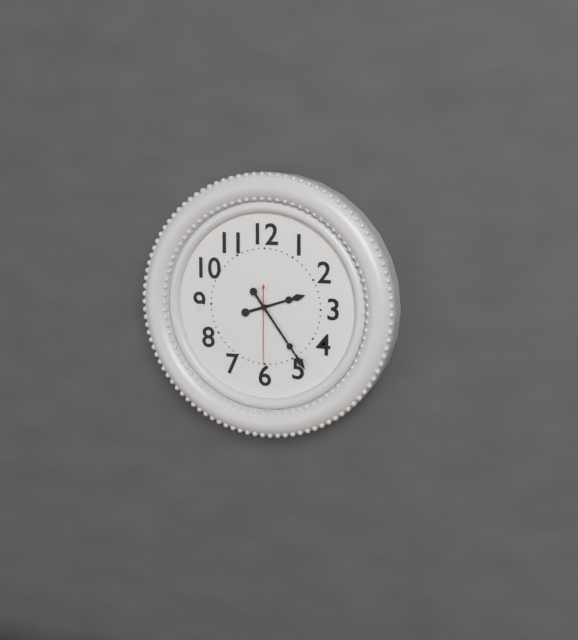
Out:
2 h 24 min 30 s
